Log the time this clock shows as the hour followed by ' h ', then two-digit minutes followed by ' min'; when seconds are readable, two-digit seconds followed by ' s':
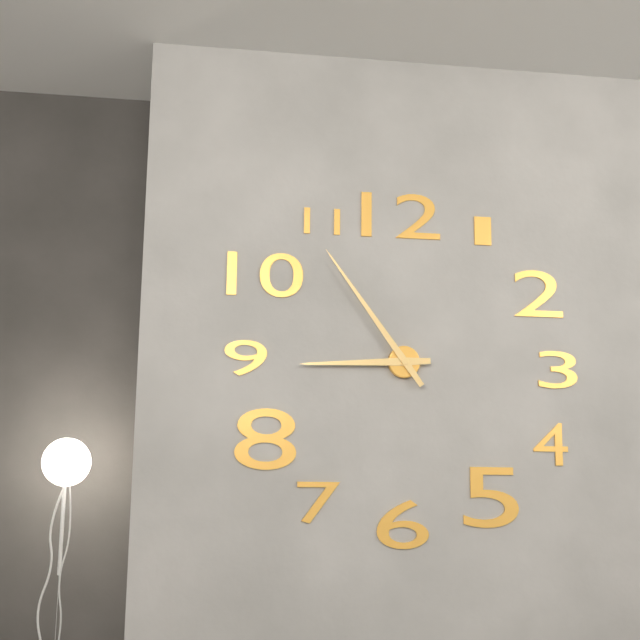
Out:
8 h 54 min
